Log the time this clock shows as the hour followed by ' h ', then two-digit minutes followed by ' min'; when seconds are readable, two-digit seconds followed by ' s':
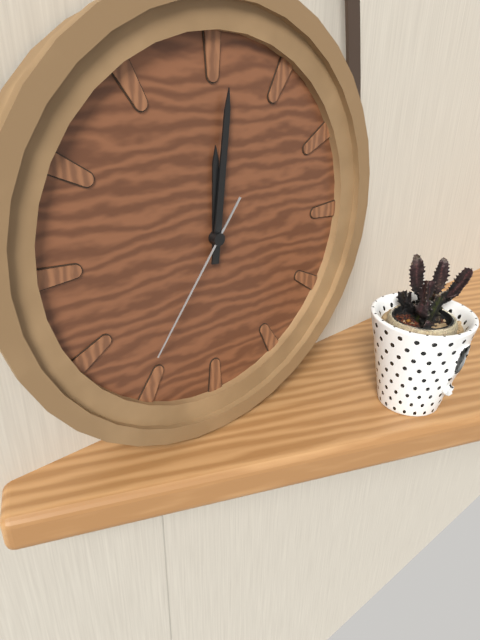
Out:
12 h 01 min 36 s
